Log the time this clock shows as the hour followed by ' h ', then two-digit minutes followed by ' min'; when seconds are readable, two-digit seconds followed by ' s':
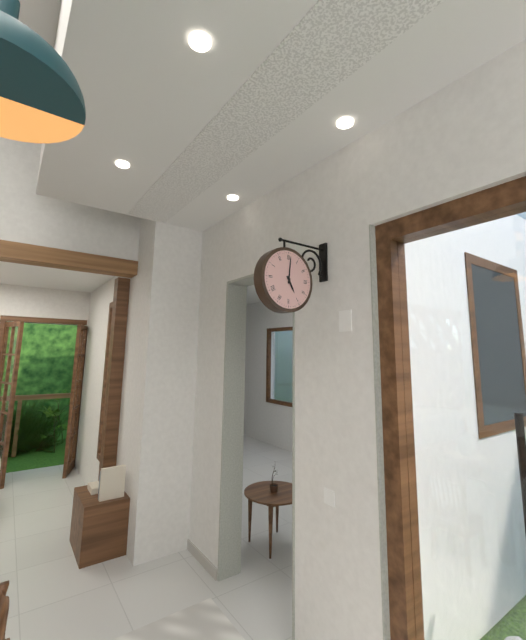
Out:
5 h 01 min
